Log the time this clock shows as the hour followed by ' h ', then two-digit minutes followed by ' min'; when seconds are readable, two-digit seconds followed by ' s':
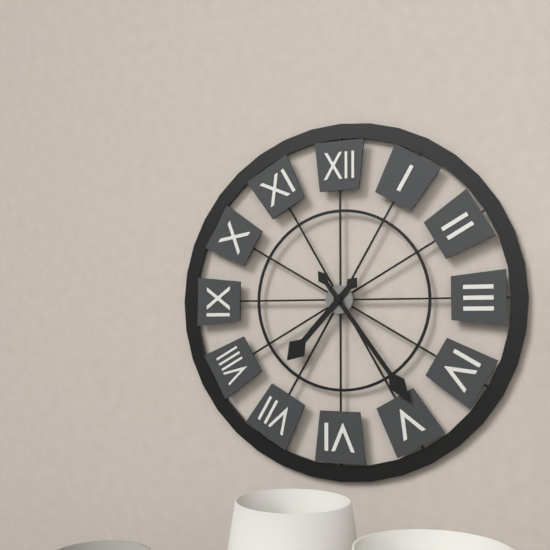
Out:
7 h 24 min
